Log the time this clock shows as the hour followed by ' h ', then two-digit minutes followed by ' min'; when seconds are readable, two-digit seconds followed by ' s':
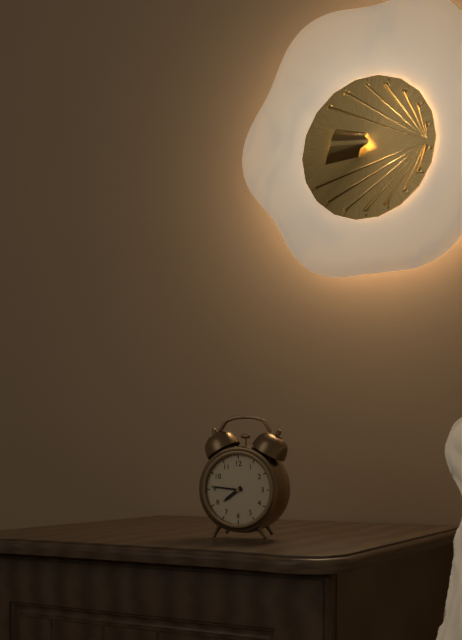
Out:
7 h 46 min
